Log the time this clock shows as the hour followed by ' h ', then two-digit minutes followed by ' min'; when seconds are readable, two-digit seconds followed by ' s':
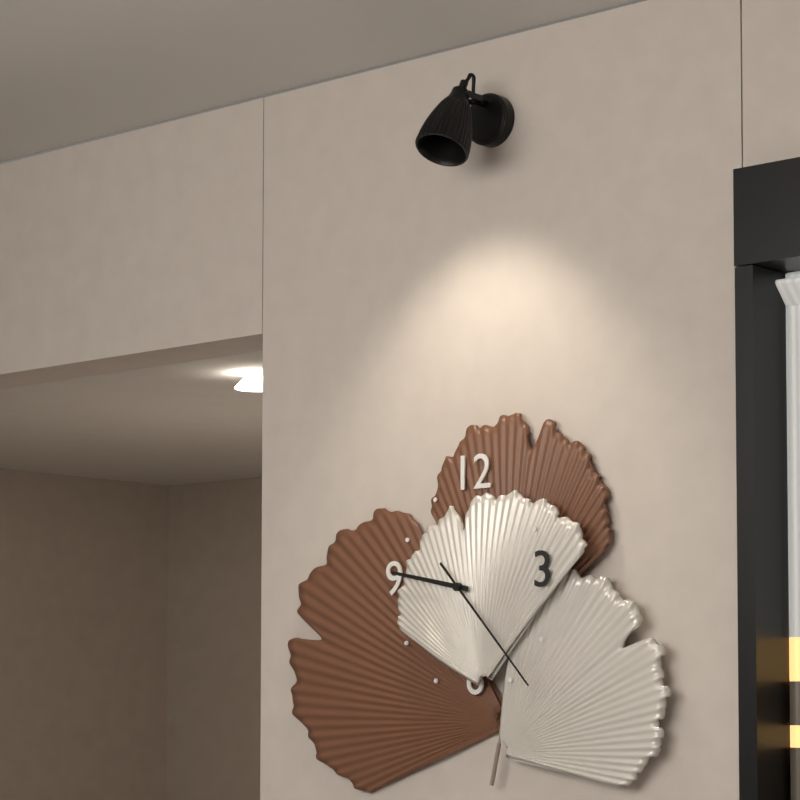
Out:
9 h 23 min
